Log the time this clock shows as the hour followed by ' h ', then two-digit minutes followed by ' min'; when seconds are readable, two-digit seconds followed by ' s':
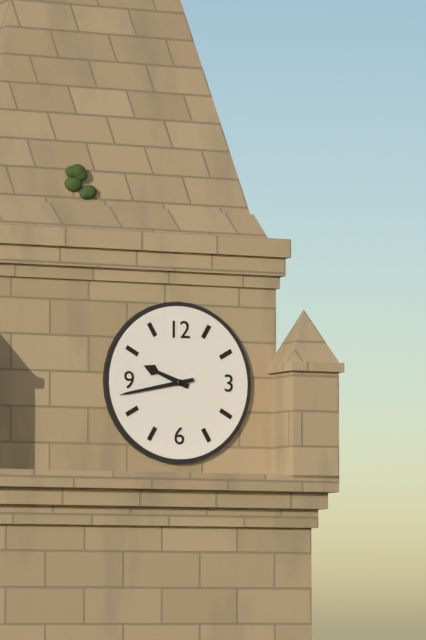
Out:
9 h 43 min
